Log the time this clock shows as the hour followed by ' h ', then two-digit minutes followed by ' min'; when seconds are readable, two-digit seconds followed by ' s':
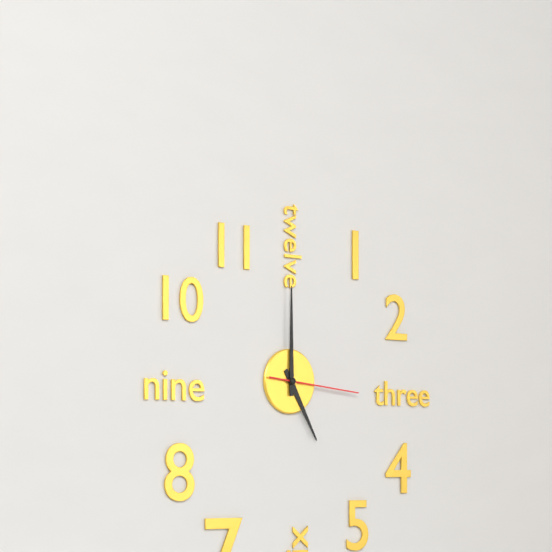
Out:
5 h 00 min 16 s
